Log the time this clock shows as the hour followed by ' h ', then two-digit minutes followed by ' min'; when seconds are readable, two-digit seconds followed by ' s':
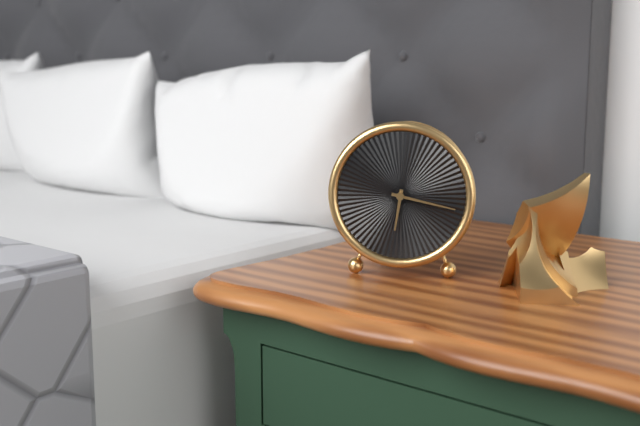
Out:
6 h 17 min
